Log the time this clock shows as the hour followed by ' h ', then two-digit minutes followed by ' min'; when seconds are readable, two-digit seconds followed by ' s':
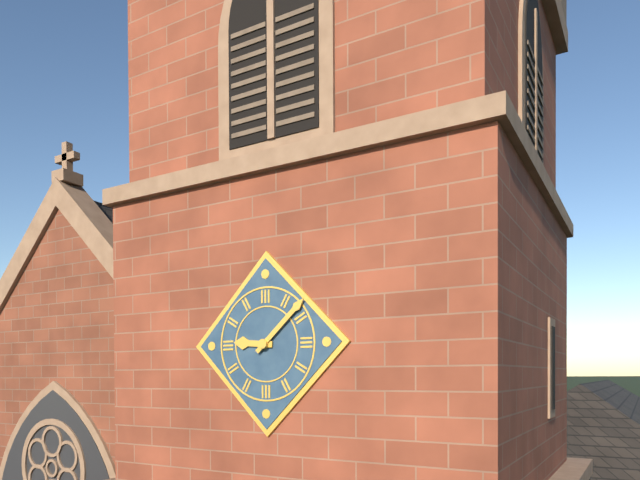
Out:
9 h 08 min
